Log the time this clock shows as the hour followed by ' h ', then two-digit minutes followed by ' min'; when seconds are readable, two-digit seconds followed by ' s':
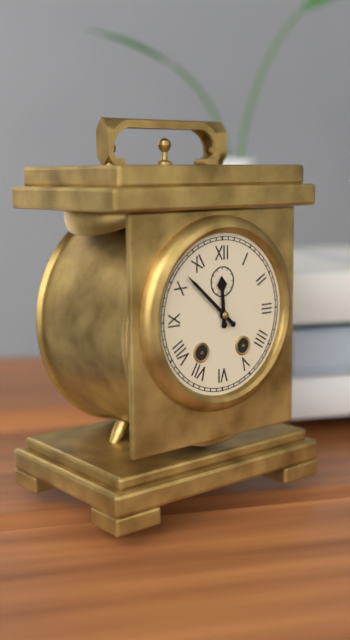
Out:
11 h 52 min
